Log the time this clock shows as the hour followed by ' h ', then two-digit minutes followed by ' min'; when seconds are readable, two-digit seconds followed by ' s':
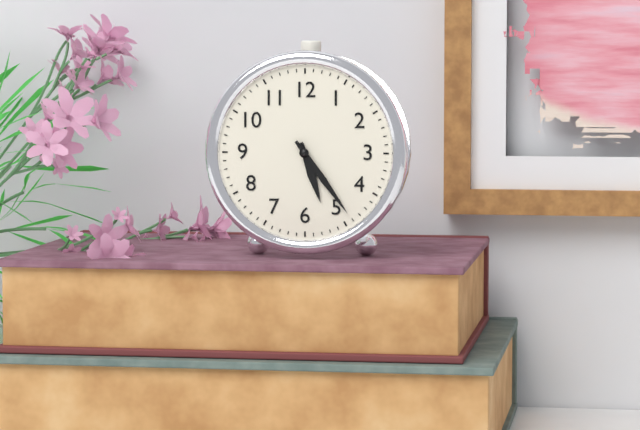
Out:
5 h 24 min
